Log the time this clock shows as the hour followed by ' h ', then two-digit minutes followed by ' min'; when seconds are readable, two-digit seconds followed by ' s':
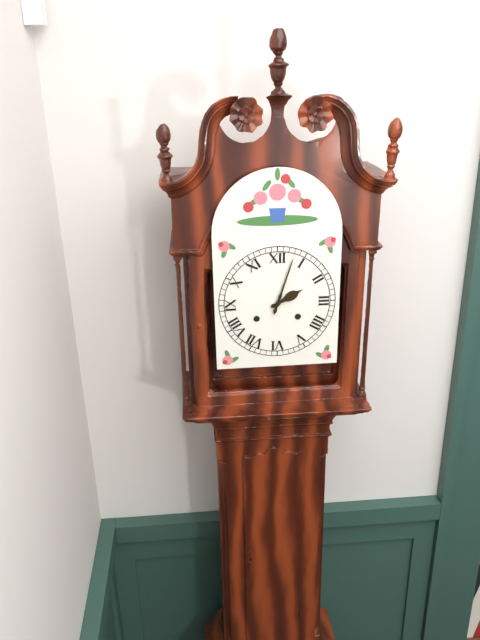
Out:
2 h 03 min
